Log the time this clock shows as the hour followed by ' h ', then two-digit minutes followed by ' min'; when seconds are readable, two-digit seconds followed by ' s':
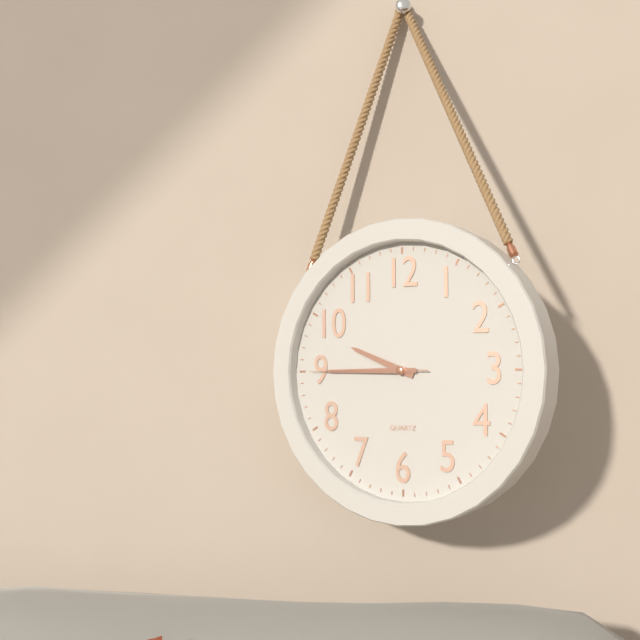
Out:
9 h 45 min 45 s
